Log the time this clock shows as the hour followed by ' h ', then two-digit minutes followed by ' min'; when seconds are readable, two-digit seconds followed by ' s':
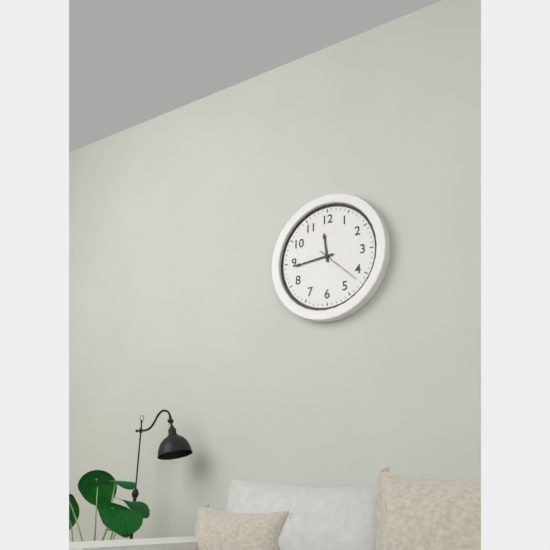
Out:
11 h 44 min
